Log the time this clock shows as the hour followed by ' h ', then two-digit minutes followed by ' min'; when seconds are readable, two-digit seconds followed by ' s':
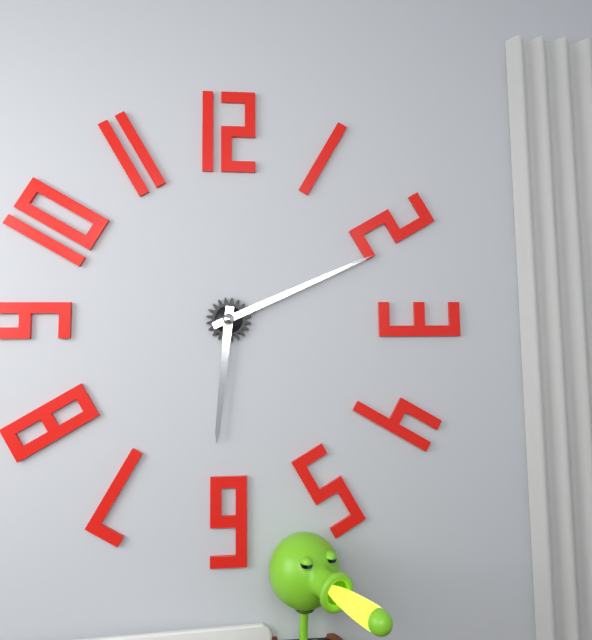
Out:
6 h 11 min
